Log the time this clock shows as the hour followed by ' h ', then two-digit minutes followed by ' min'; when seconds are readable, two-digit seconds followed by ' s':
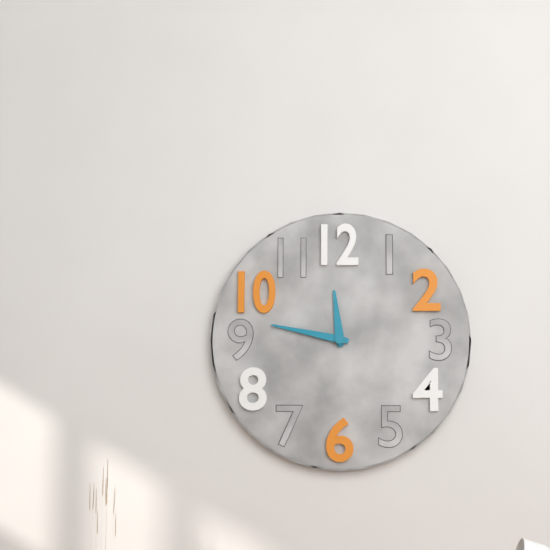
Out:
11 h 47 min
